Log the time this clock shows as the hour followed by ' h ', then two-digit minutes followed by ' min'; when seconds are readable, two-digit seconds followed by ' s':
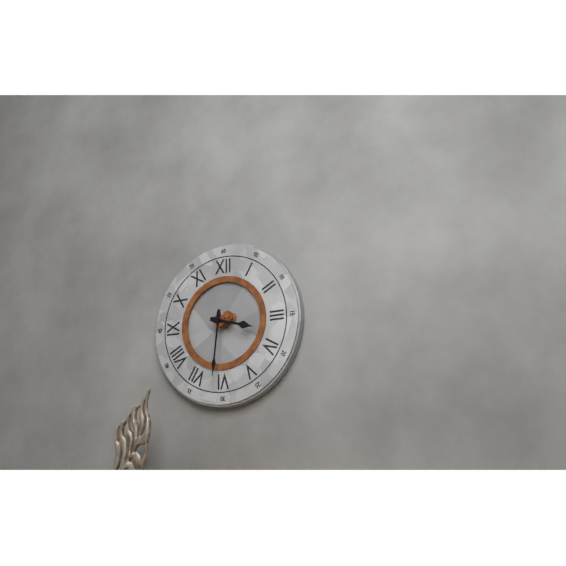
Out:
3 h 31 min
